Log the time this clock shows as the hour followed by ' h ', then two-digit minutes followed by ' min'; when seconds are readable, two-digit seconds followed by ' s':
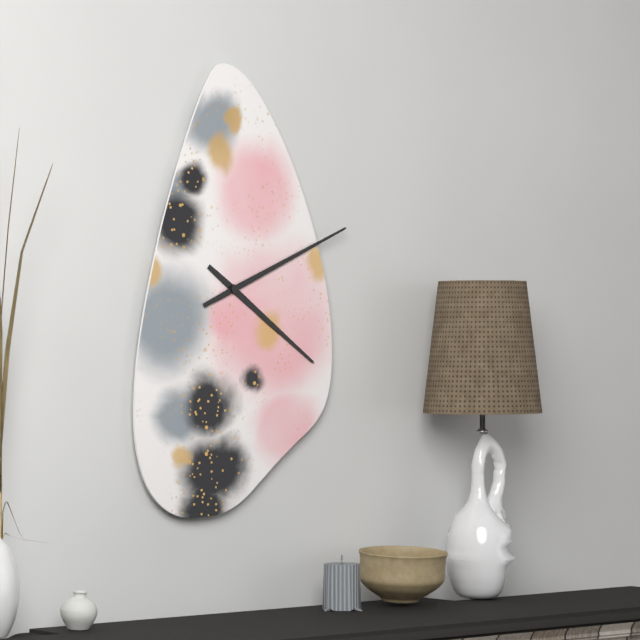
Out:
4 h 11 min
